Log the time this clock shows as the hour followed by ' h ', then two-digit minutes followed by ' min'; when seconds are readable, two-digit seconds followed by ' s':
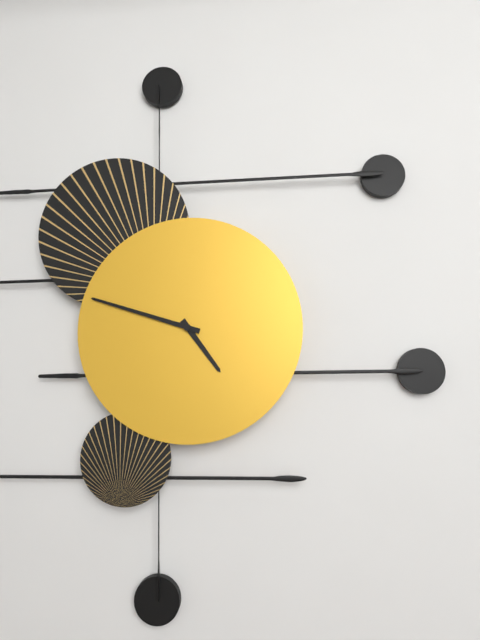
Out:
4 h 48 min
